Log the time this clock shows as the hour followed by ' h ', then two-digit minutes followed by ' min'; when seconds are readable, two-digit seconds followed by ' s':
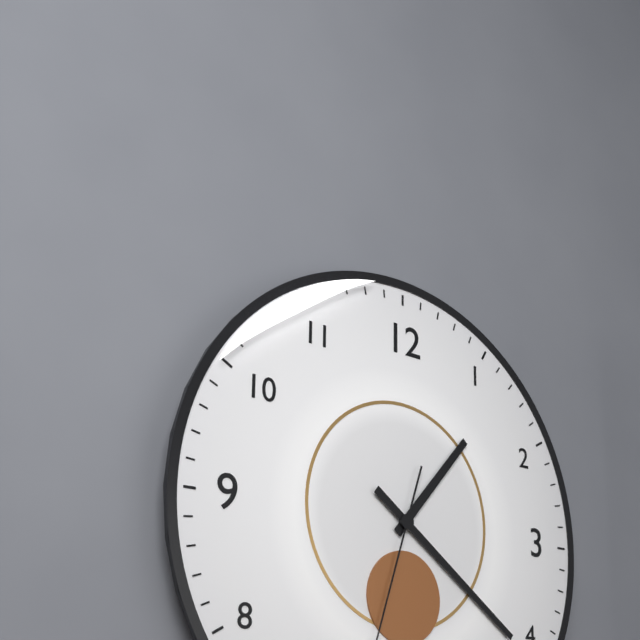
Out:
1 h 21 min
